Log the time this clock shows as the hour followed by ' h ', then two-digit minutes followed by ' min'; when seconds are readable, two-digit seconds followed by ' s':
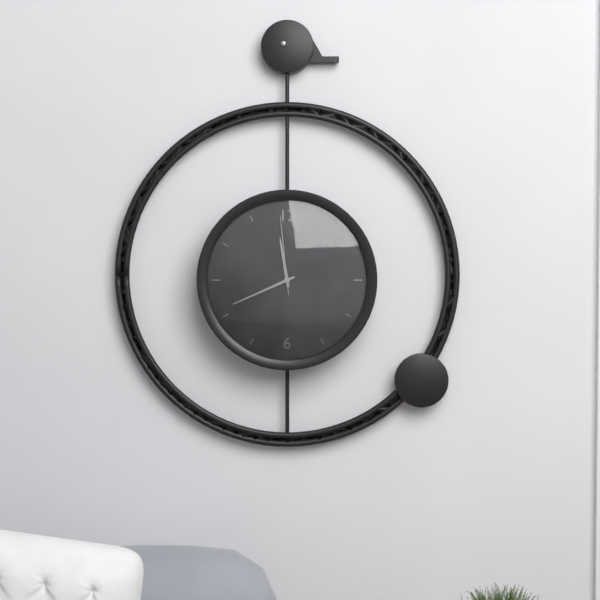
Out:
11 h 41 min 59 s
